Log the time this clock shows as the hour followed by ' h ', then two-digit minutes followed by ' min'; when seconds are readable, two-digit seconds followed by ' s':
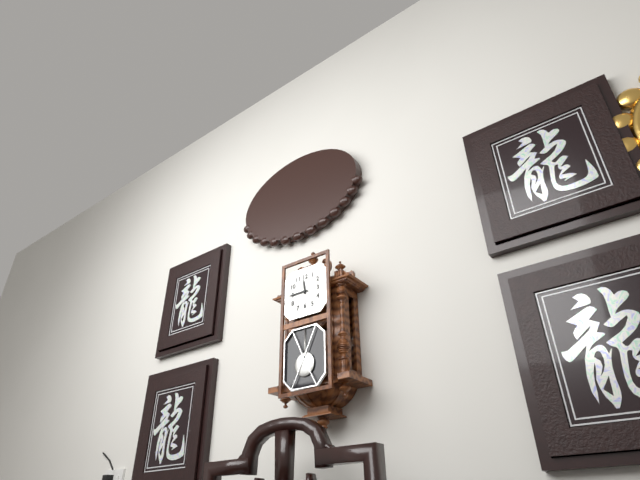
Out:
11 h 45 min
